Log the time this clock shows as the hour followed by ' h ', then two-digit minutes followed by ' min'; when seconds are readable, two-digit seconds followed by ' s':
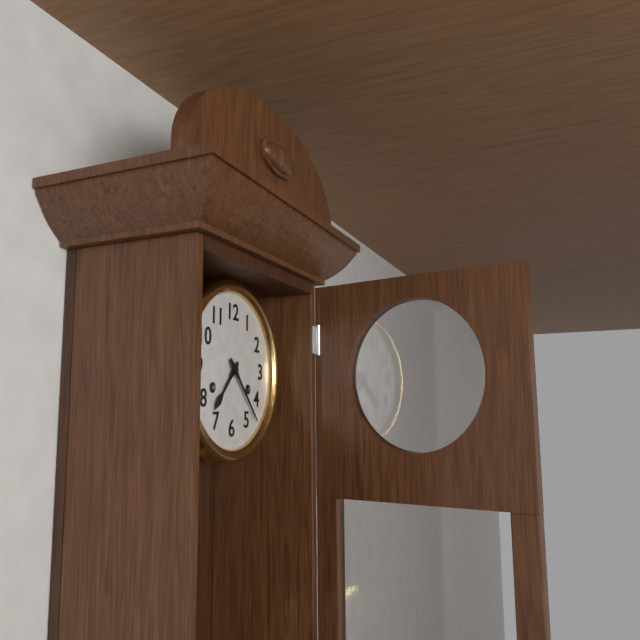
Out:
7 h 23 min
